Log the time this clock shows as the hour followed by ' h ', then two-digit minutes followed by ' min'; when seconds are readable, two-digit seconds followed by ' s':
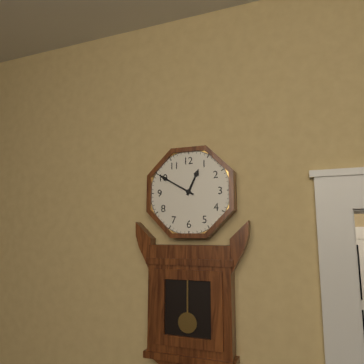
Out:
12 h 50 min
